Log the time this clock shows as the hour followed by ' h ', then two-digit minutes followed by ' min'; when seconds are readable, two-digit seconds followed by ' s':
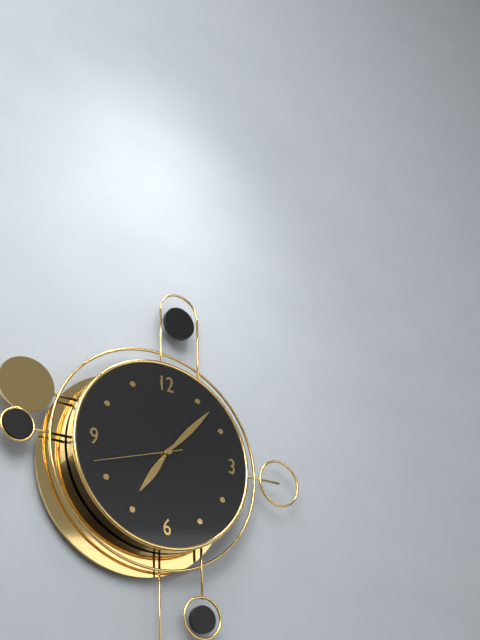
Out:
7 h 07 min 42 s
